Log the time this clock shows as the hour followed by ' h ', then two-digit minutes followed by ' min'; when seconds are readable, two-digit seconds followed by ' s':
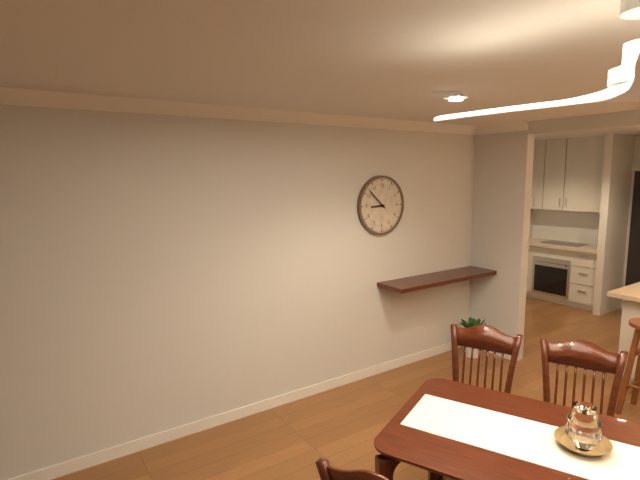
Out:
8 h 52 min
